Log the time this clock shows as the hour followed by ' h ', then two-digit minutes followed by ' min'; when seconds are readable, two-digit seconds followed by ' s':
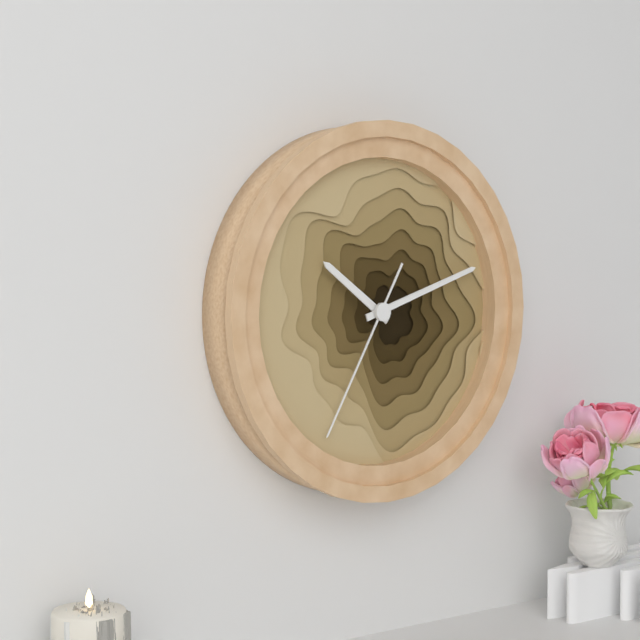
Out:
10 h 12 min 35 s
